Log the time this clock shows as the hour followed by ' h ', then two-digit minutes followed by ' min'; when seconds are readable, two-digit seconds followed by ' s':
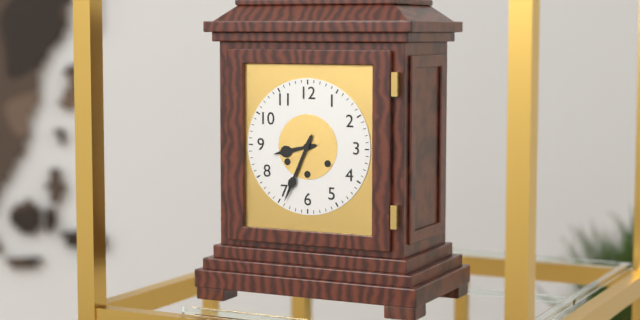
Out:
8 h 34 min
